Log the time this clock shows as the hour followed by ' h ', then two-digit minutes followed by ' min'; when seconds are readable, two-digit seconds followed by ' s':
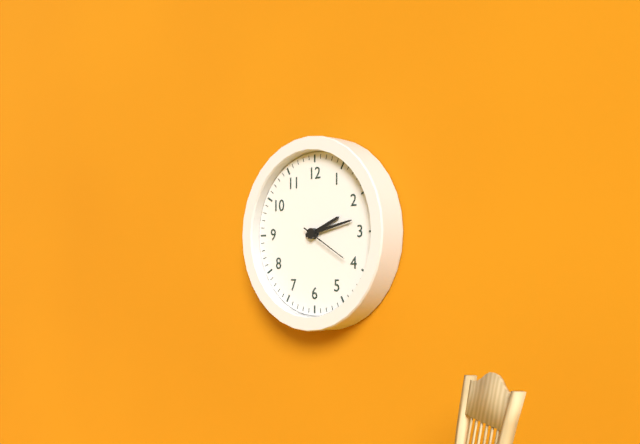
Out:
2 h 13 min
